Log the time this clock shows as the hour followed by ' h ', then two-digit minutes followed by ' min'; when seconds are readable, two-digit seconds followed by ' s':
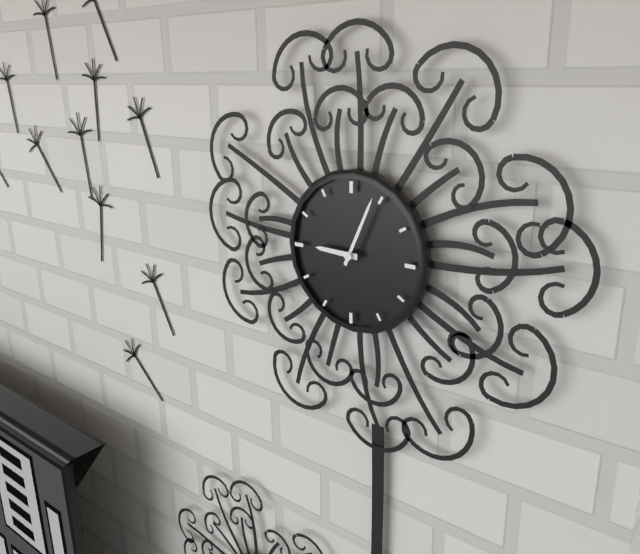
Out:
9 h 04 min
